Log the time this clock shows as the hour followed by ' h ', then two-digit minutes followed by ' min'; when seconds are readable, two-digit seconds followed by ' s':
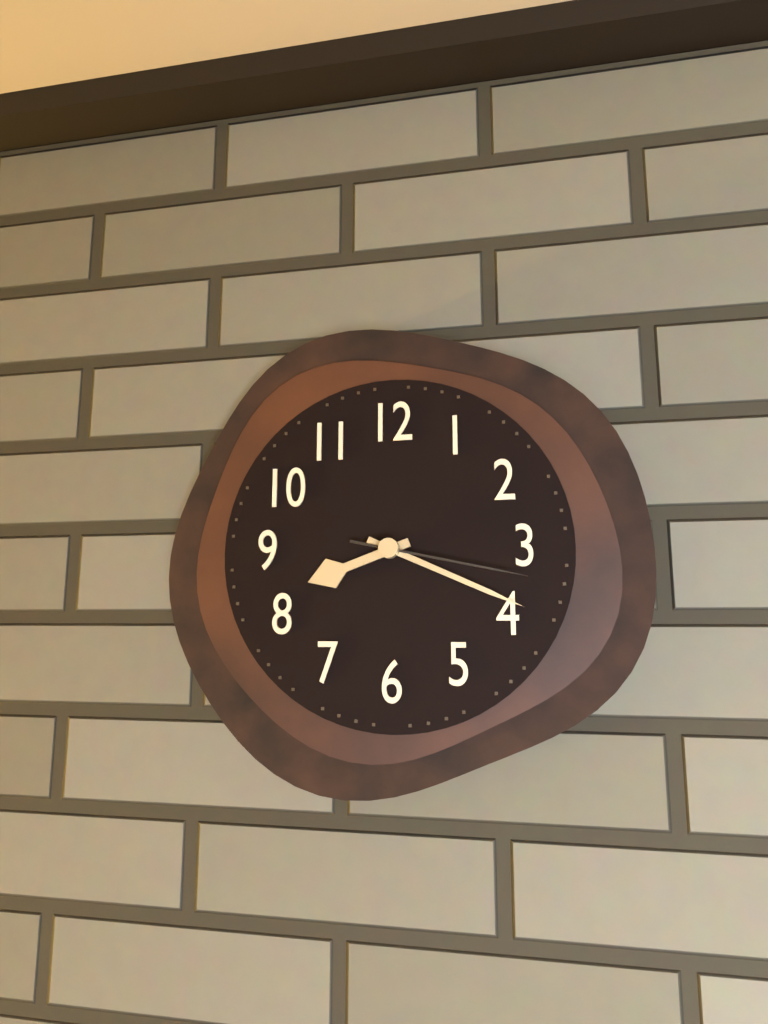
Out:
8 h 19 min 17 s
